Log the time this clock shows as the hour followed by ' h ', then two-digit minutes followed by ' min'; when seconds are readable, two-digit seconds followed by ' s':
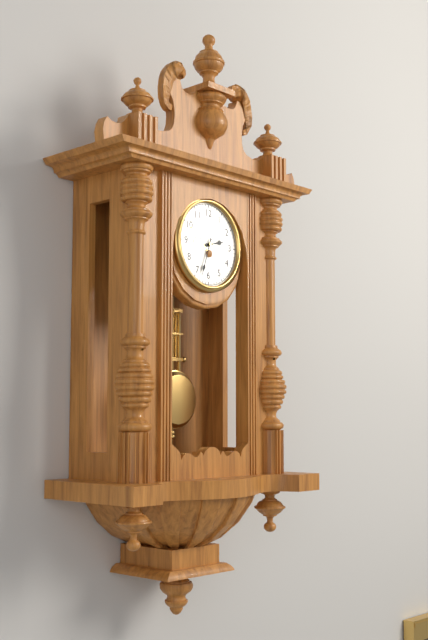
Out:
2 h 33 min
